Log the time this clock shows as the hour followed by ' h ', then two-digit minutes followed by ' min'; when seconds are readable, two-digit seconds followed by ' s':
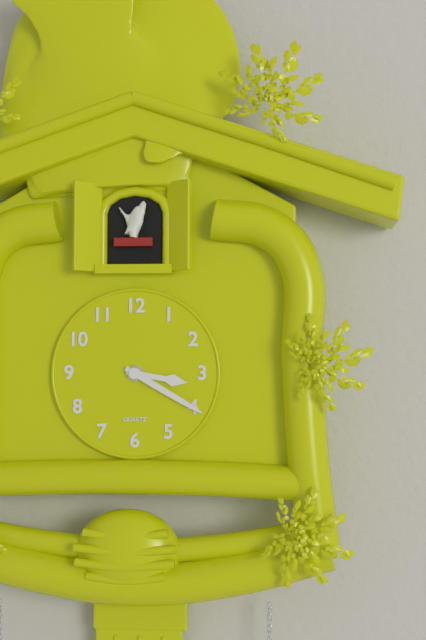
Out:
3 h 20 min
